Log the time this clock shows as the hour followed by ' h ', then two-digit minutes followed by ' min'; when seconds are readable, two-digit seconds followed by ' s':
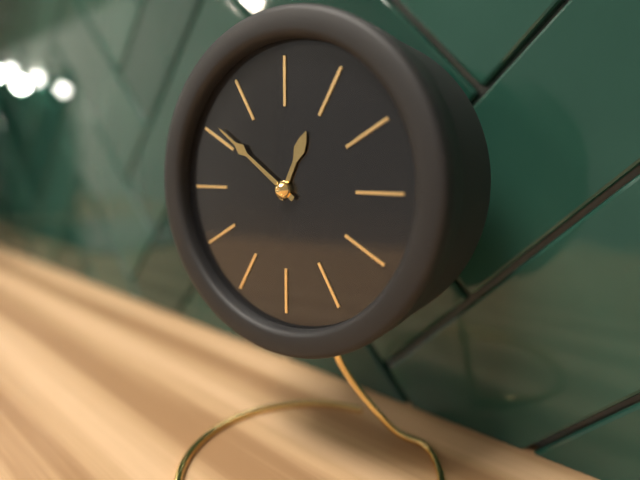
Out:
12 h 51 min
